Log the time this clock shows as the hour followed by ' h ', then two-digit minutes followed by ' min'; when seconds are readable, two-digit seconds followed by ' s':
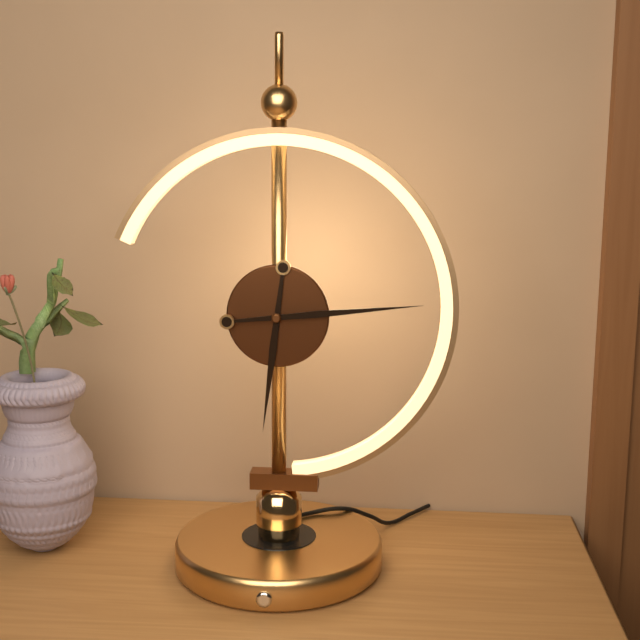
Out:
6 h 14 min
